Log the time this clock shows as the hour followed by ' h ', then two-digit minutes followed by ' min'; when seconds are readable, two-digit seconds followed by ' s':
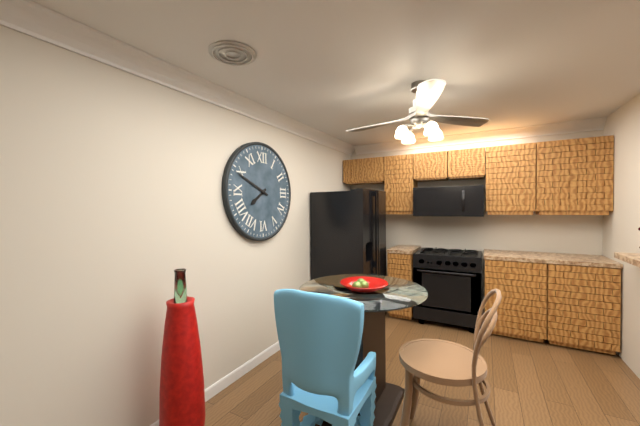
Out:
7 h 49 min
